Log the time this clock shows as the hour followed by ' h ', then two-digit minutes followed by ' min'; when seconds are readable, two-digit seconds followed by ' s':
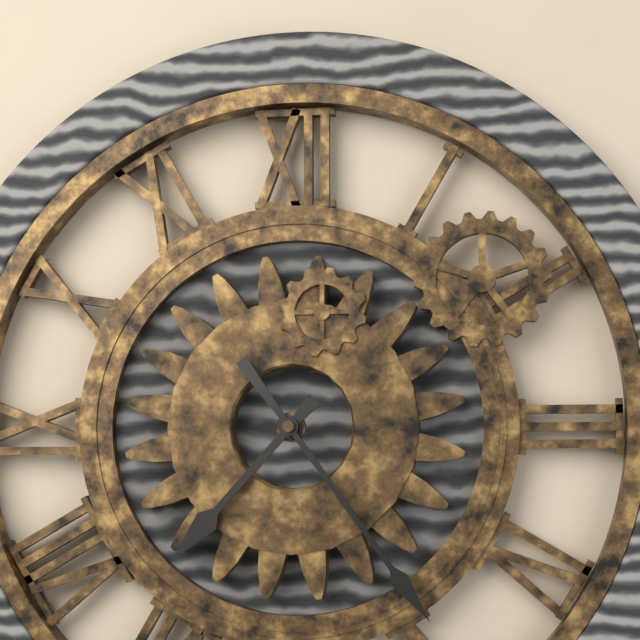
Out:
7 h 24 min
